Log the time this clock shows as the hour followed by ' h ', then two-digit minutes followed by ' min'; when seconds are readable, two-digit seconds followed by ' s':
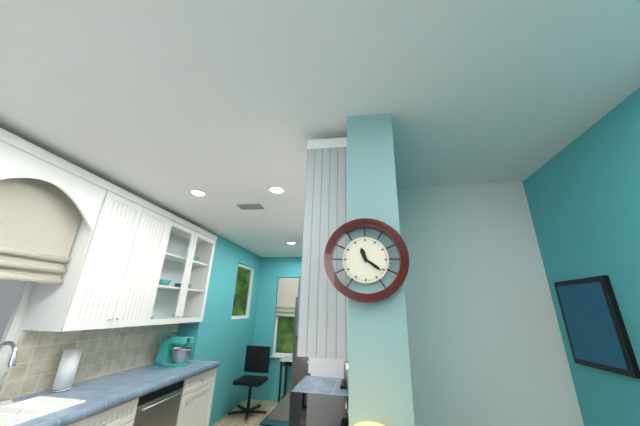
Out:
11 h 21 min
